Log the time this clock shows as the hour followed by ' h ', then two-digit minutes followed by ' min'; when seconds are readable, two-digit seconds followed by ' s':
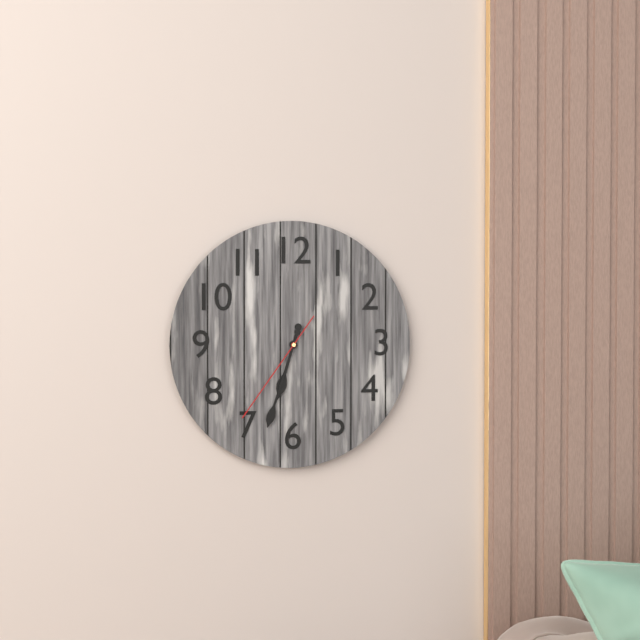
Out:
6 h 33 min 36 s
